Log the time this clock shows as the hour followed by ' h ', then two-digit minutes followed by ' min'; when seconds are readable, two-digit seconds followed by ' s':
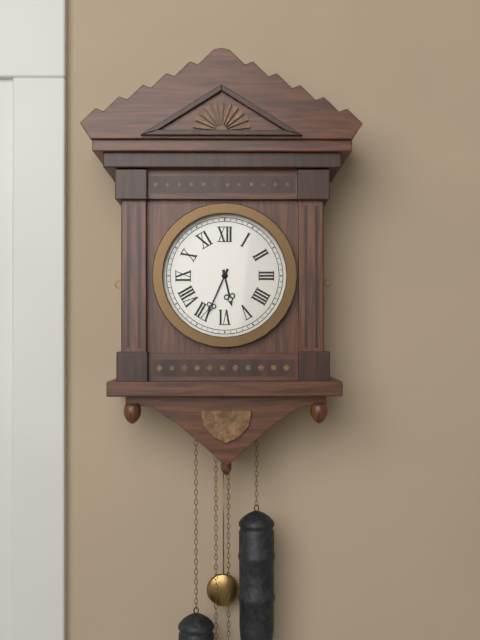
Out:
5 h 34 min
